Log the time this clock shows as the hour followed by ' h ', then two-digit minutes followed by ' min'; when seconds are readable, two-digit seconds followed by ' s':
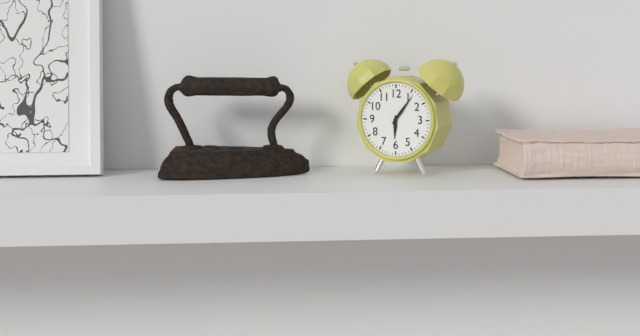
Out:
6 h 06 min
